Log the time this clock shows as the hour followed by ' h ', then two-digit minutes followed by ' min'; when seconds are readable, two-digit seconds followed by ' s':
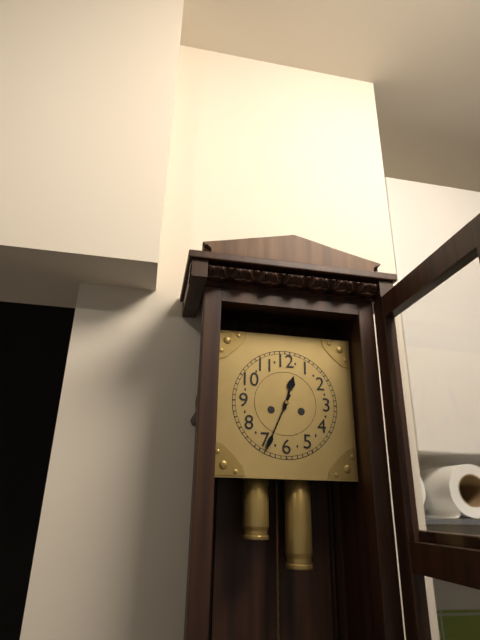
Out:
12 h 34 min
